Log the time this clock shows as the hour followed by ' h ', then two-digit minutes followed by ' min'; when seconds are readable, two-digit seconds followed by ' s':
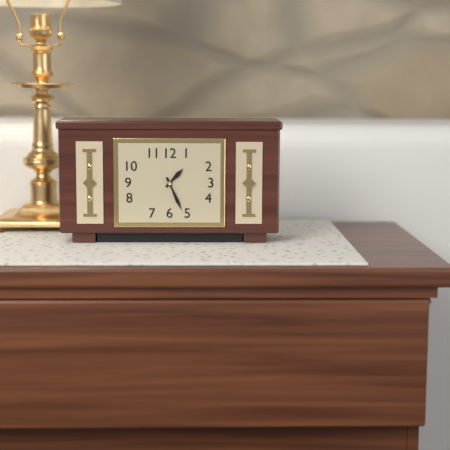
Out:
1 h 26 min
